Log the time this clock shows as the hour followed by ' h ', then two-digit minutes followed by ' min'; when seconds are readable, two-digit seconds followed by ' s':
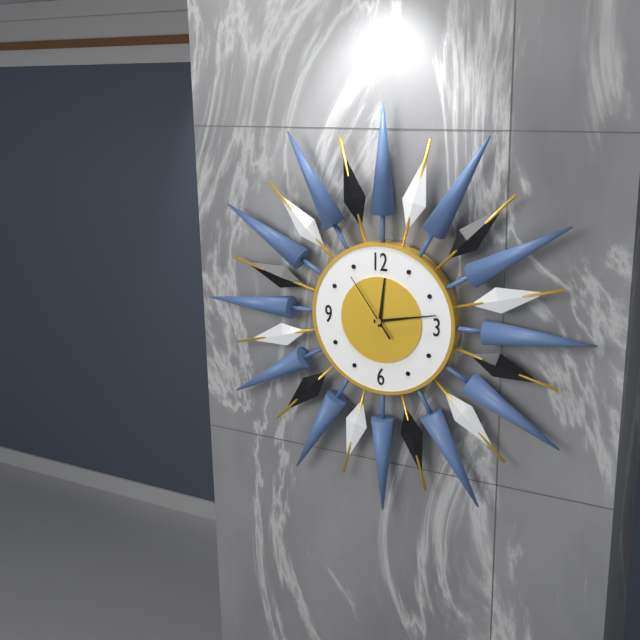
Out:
12 h 13 min 54 s
